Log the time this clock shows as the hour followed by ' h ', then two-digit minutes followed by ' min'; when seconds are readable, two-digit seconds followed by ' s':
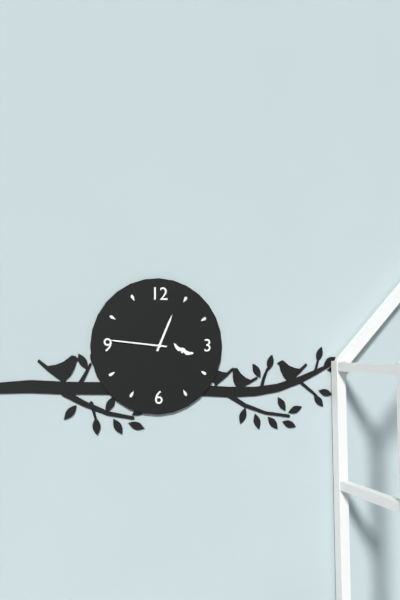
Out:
12 h 46 min
